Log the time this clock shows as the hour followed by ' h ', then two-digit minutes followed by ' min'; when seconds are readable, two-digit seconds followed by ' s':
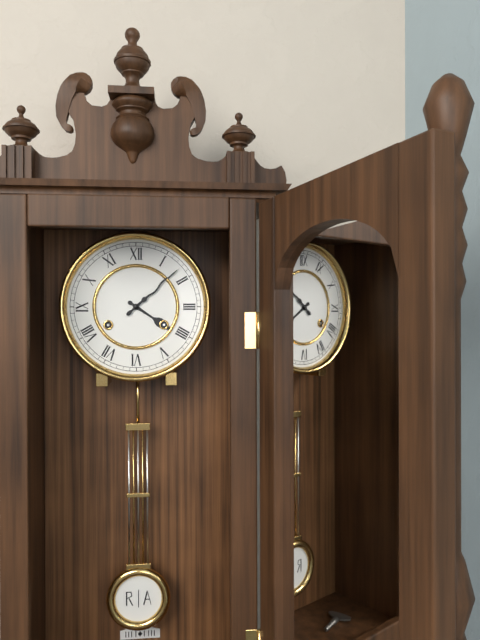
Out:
4 h 08 min
